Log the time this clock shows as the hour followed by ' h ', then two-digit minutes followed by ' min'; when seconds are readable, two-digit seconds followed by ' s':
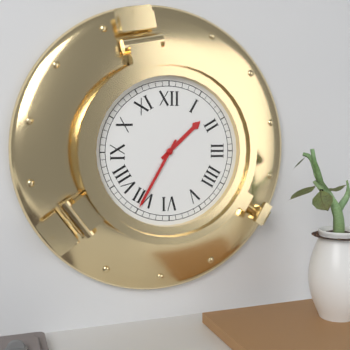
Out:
1 h 35 min
